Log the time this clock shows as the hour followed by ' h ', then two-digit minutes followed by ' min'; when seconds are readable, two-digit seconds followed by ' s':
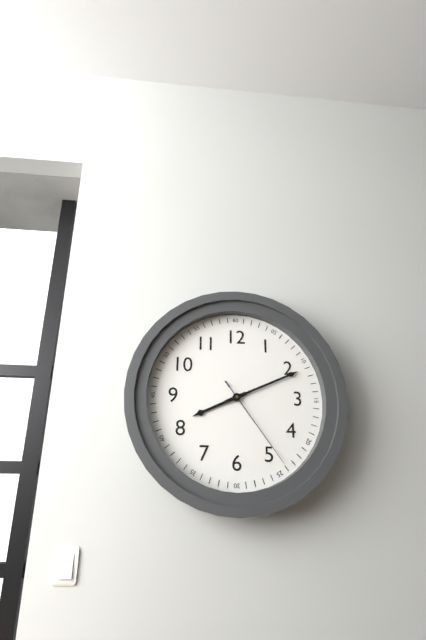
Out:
8 h 11 min 24 s
